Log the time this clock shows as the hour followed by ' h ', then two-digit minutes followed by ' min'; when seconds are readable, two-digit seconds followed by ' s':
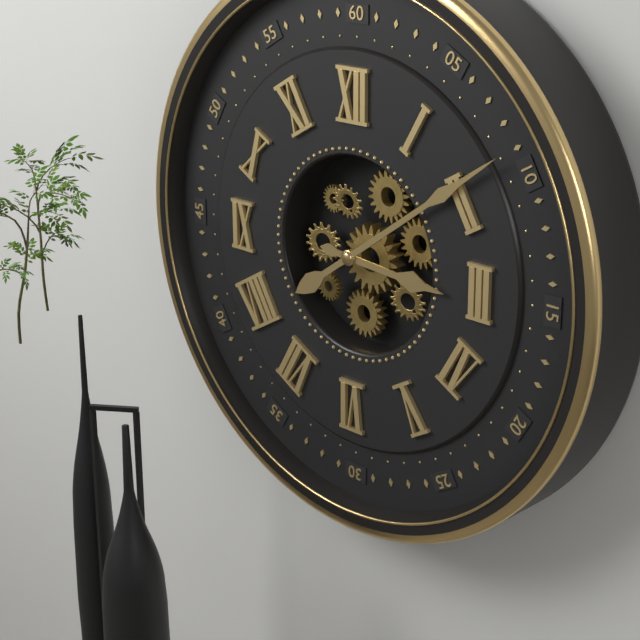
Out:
3 h 09 min
